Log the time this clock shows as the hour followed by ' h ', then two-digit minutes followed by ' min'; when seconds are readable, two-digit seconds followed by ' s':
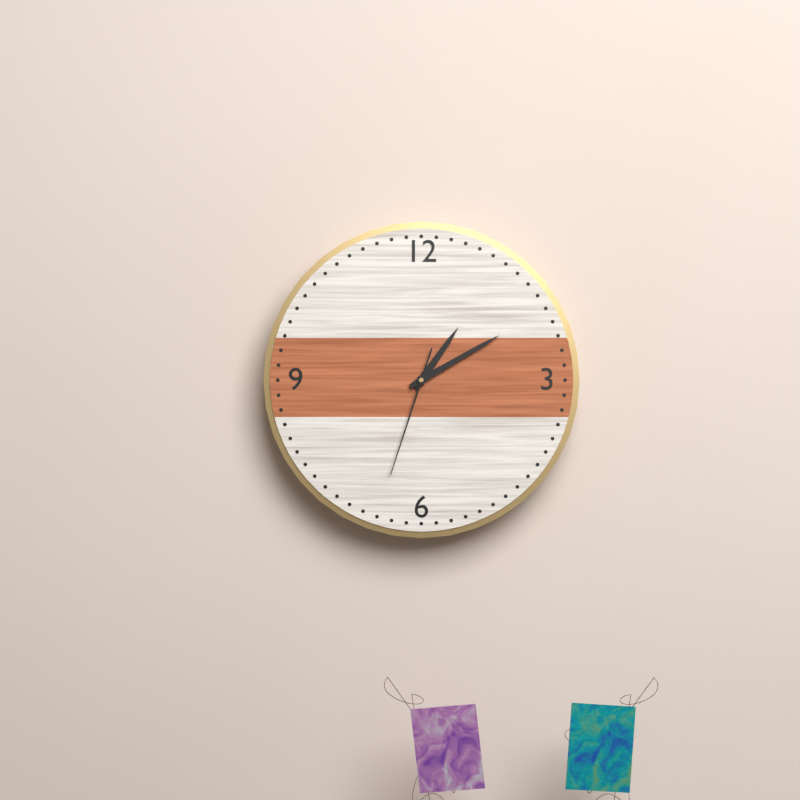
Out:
1 h 10 min 33 s
